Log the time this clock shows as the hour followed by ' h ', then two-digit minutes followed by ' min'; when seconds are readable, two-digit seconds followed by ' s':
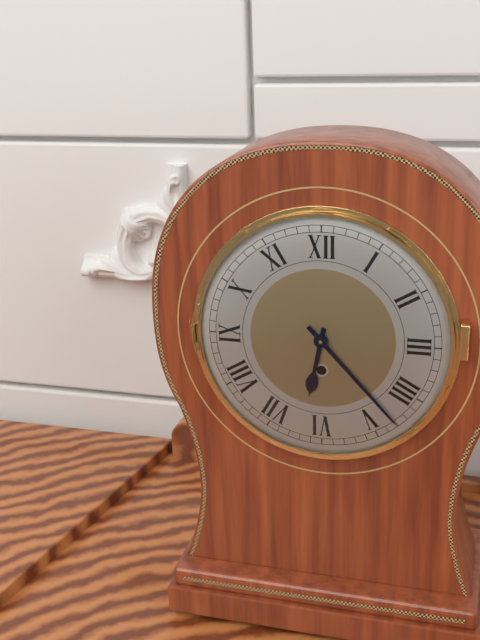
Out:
6 h 23 min
